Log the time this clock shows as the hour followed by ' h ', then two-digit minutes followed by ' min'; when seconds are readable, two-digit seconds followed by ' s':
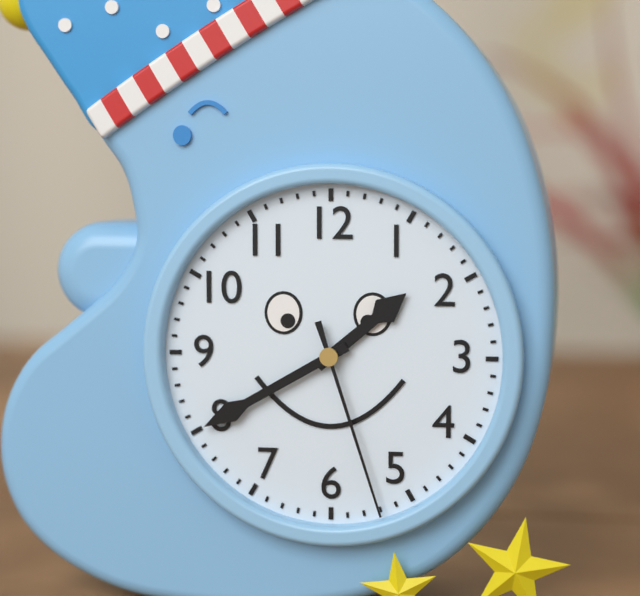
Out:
1 h 40 min 27 s
